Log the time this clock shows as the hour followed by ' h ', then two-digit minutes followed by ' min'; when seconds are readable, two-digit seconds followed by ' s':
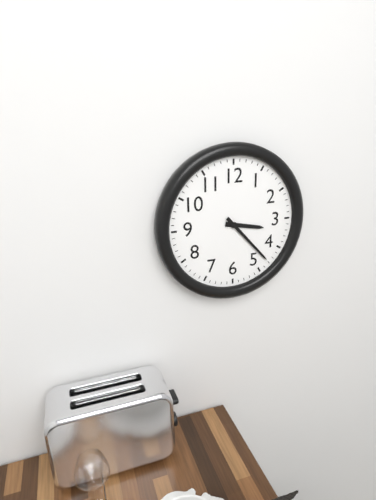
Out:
3 h 23 min
